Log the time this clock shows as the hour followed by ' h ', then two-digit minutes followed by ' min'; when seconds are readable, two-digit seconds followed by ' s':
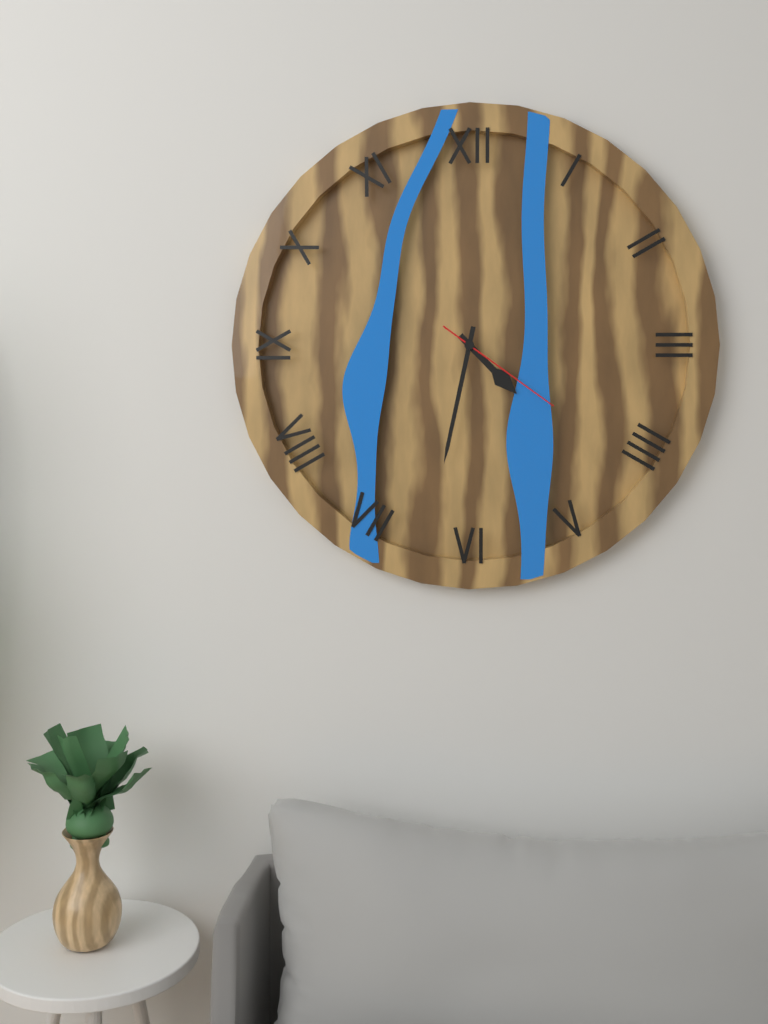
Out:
4 h 32 min 21 s
